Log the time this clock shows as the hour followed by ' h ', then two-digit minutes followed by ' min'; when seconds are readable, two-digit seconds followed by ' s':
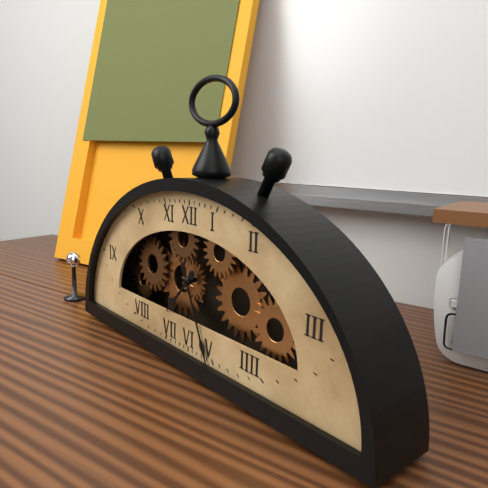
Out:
7 h 26 min
